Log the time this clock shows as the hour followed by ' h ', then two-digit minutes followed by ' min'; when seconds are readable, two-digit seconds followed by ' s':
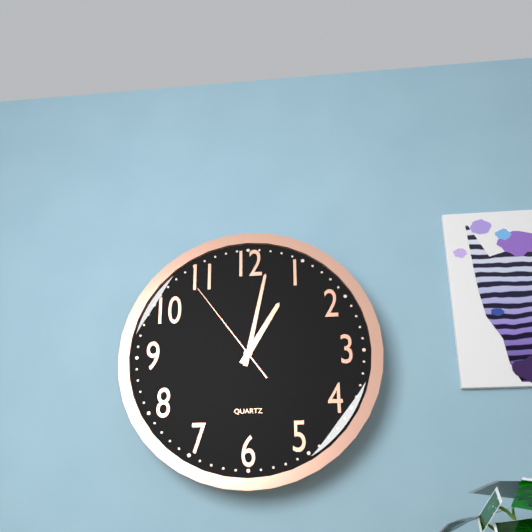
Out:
1 h 02 min 54 s
